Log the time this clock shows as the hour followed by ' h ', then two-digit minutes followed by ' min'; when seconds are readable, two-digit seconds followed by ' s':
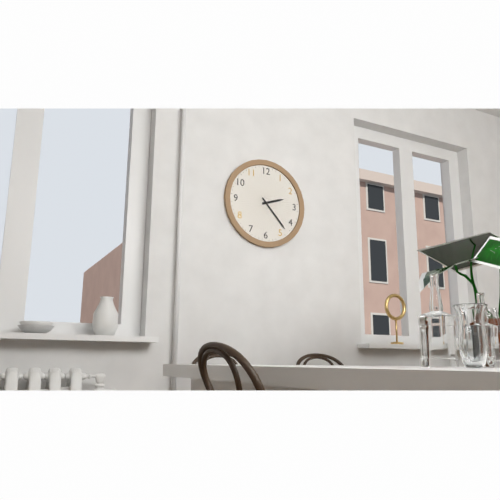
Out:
2 h 23 min
